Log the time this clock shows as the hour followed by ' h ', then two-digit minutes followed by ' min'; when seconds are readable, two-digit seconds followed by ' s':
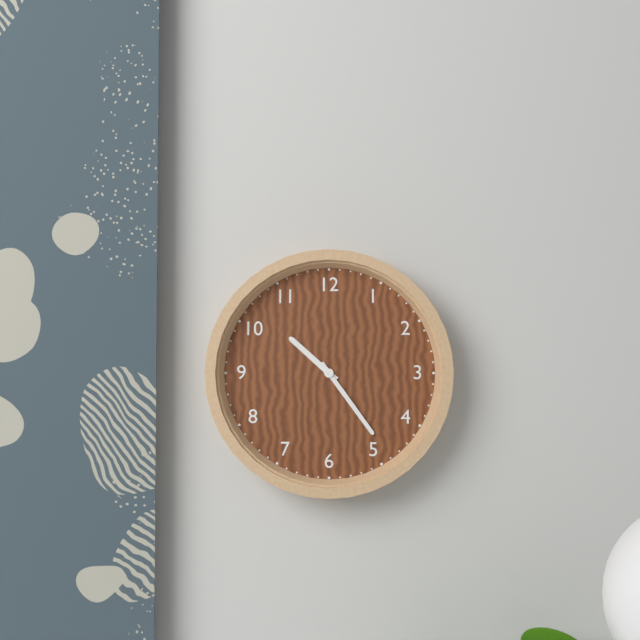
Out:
10 h 24 min
